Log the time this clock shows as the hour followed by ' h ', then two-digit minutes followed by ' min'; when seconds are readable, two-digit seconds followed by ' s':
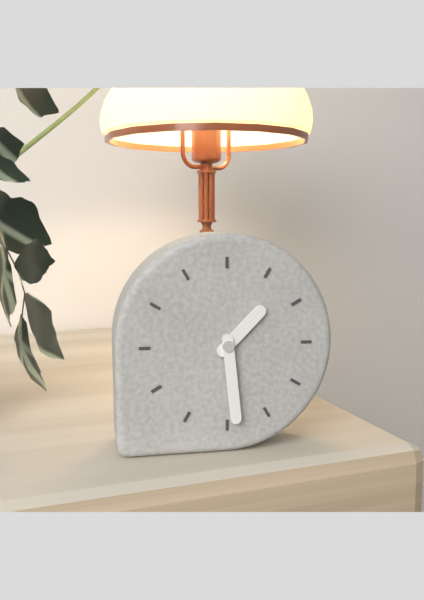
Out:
1 h 29 min
